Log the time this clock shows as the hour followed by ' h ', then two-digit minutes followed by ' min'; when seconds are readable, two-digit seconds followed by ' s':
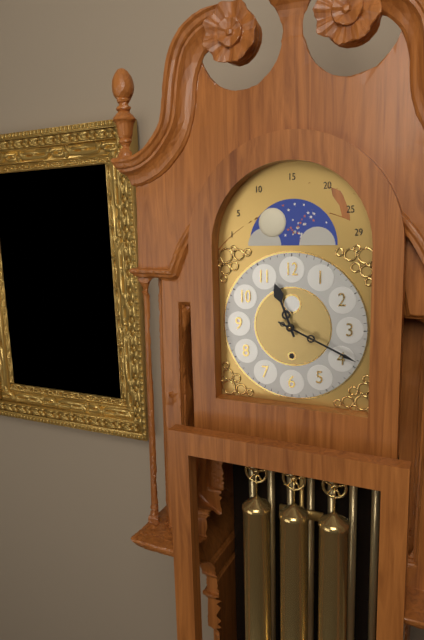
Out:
11 h 19 min
